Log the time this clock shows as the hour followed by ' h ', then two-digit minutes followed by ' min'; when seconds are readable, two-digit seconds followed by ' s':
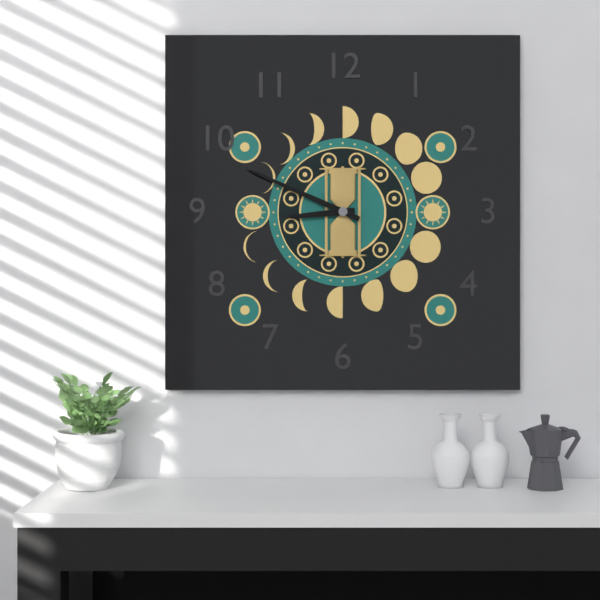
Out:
8 h 49 min
